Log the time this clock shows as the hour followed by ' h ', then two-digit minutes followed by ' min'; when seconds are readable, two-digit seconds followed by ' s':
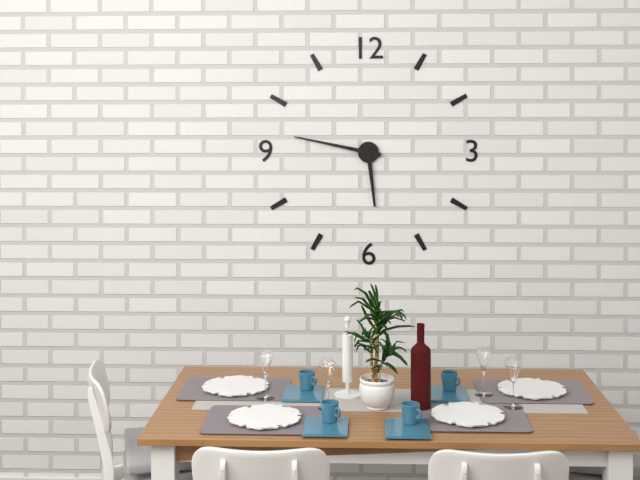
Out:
5 h 47 min
